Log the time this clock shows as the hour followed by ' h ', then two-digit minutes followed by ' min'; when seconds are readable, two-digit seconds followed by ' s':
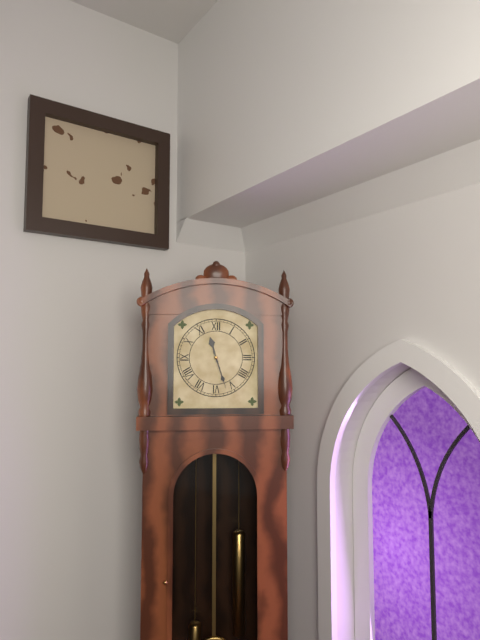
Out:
11 h 27 min
